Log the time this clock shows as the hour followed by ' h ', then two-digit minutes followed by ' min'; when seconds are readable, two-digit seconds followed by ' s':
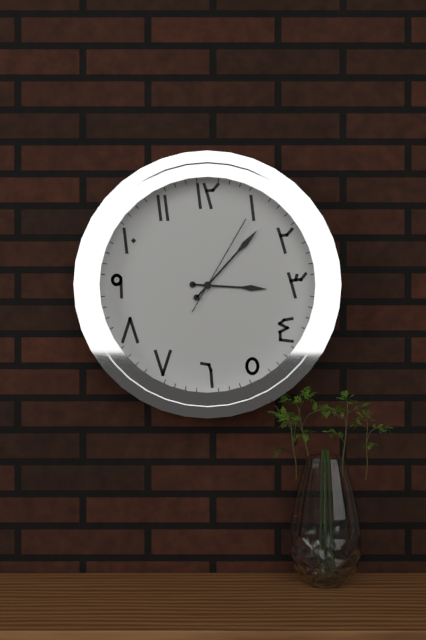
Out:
3 h 07 min 05 s
